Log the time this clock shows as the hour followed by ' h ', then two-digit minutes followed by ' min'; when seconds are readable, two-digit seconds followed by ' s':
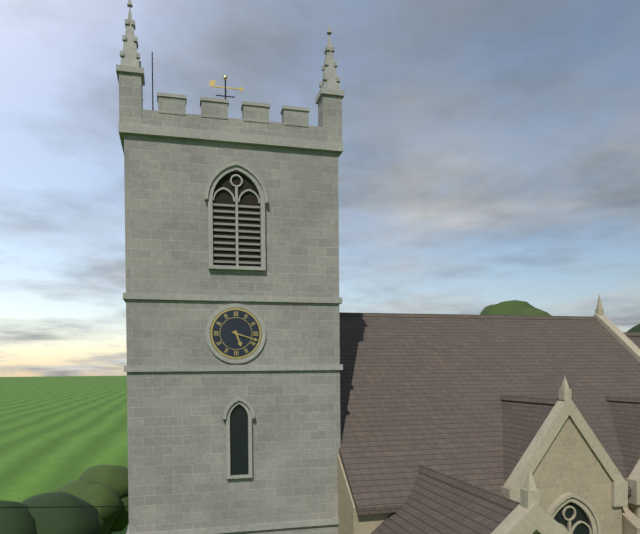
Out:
5 h 18 min
